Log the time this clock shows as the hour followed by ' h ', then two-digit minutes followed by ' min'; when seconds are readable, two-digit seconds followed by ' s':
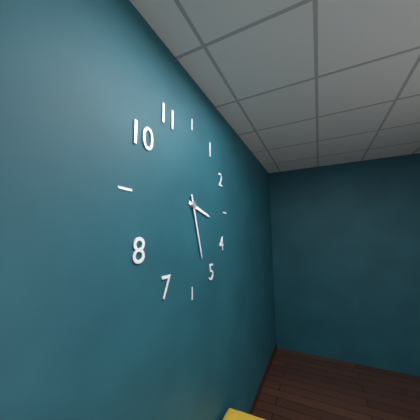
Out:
3 h 27 min
